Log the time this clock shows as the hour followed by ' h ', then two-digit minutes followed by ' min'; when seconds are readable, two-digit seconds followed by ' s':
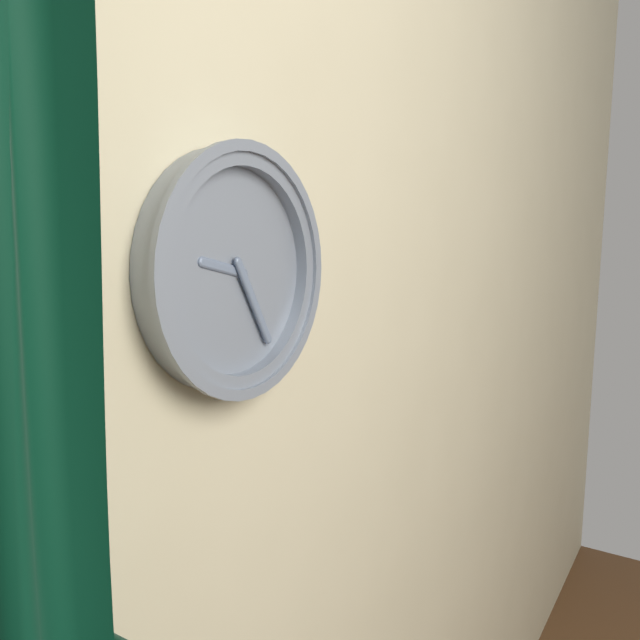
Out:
9 h 25 min
